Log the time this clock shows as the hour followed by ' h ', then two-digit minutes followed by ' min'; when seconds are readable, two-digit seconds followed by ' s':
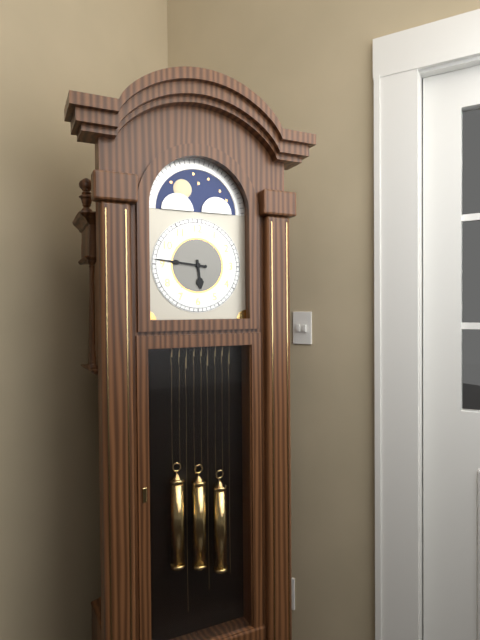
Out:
5 h 46 min
